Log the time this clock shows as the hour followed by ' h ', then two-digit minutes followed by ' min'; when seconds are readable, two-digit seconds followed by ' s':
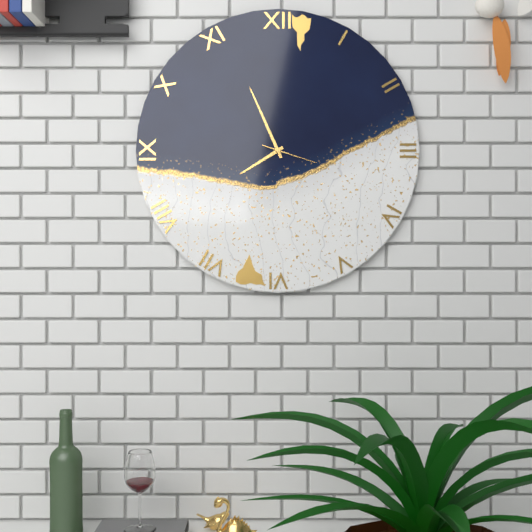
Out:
7 h 56 min 18 s
